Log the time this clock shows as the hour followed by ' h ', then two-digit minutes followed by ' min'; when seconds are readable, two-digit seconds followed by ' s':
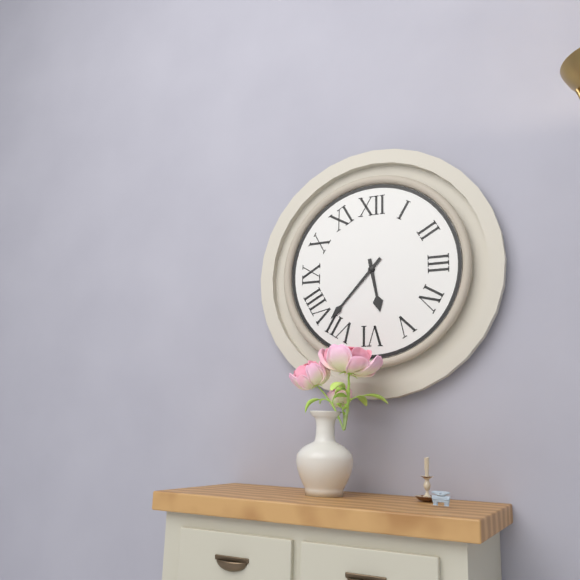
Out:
5 h 37 min
